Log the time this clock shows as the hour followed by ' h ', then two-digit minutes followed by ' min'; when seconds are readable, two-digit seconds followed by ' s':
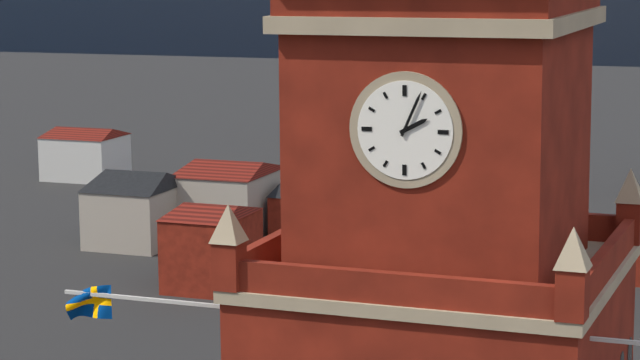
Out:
2 h 04 min
